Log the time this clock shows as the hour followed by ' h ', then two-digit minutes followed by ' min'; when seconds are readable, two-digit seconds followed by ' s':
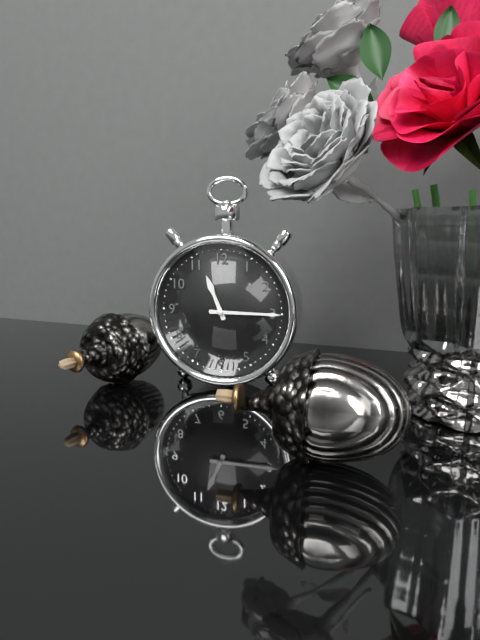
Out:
11 h 15 min
